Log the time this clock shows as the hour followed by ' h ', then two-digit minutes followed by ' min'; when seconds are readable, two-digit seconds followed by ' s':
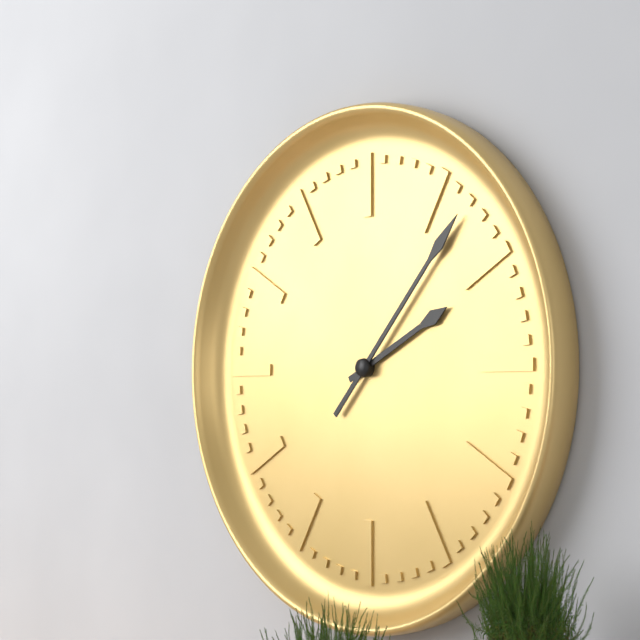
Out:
2 h 07 min
